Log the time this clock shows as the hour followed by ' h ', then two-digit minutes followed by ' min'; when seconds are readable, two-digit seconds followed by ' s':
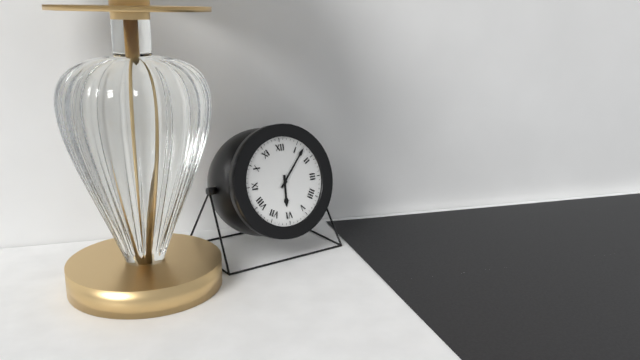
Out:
6 h 07 min
